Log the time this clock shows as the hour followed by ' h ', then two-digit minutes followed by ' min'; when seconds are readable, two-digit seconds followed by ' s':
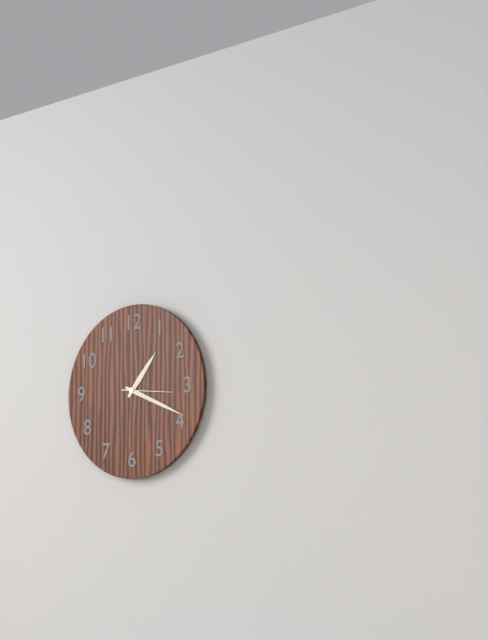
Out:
1 h 19 min
